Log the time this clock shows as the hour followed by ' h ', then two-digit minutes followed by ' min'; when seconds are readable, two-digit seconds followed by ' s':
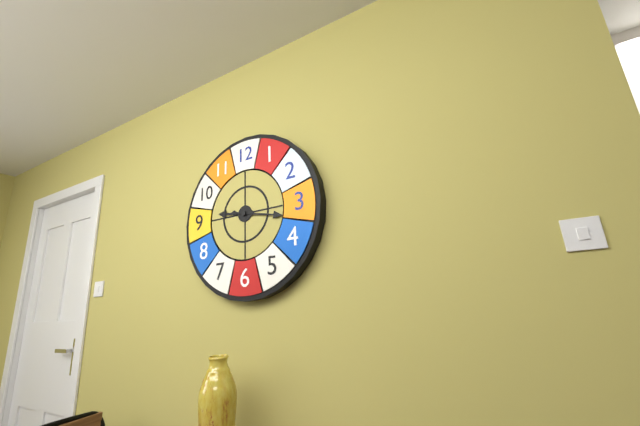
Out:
9 h 17 min
